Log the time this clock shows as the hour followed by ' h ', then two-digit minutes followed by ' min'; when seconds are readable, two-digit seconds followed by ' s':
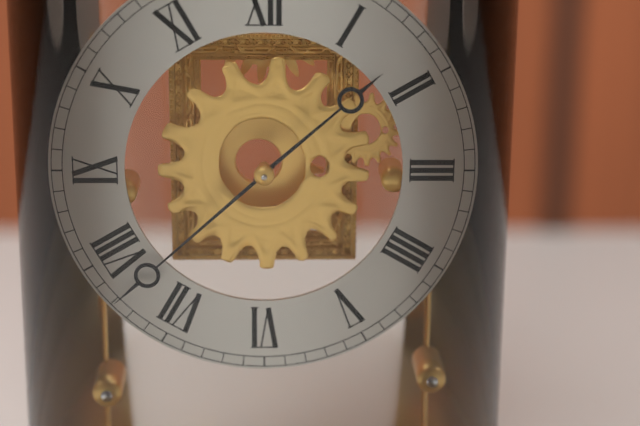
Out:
1 h 38 min
